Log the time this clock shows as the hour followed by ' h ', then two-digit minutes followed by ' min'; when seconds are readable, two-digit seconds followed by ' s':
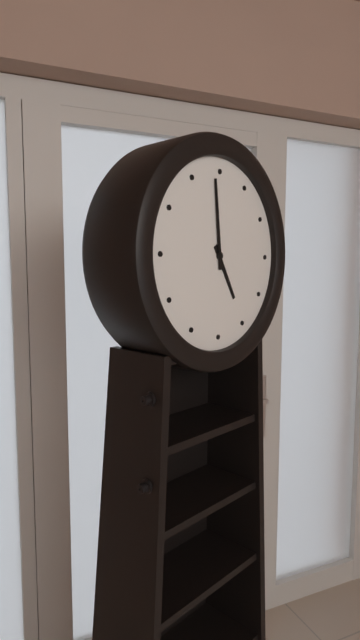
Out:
4 h 59 min
